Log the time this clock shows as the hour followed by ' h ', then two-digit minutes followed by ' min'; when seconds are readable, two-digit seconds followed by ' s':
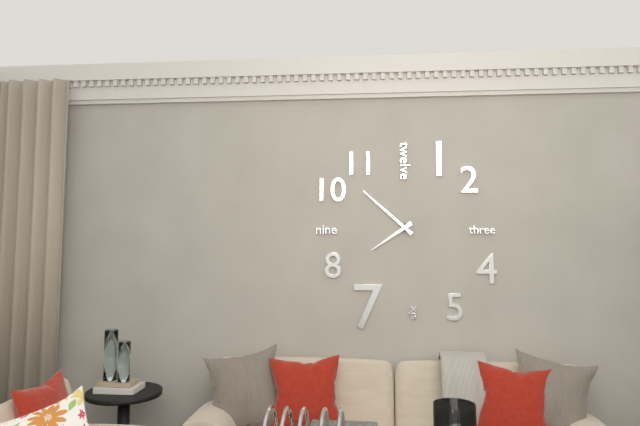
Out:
7 h 52 min
